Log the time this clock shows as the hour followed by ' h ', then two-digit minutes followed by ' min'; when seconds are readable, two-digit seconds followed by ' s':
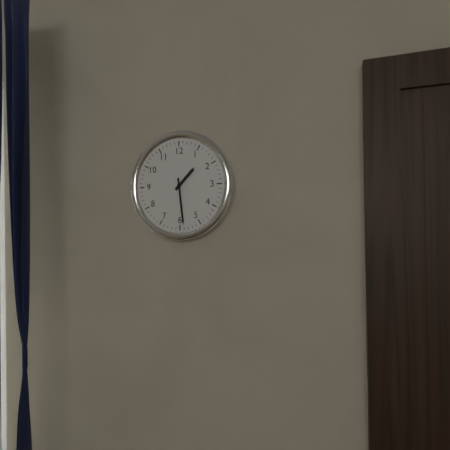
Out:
1 h 29 min
